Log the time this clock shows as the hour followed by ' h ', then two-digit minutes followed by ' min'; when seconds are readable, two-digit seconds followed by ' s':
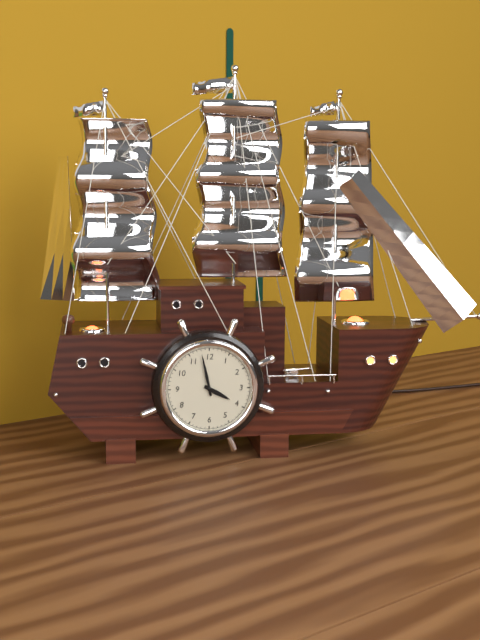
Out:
3 h 58 min
